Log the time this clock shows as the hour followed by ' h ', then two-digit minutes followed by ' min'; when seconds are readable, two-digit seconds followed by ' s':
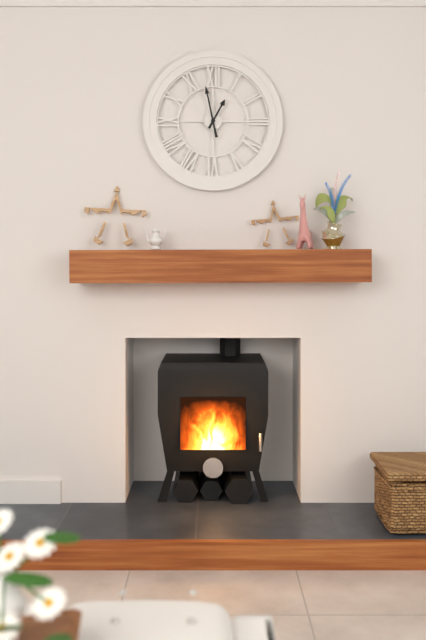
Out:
12 h 58 min
